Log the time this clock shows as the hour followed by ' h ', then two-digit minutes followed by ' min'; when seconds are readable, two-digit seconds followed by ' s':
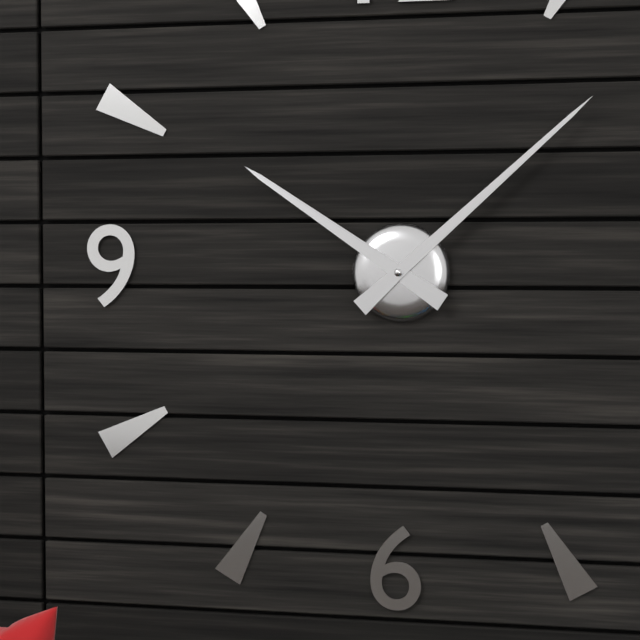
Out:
10 h 08 min
